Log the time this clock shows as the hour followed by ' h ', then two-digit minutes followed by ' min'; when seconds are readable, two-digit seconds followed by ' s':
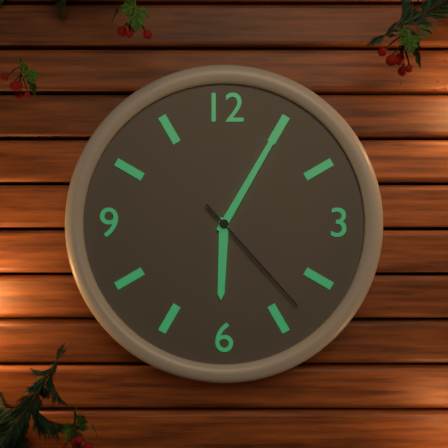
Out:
6 h 05 min 23 s
